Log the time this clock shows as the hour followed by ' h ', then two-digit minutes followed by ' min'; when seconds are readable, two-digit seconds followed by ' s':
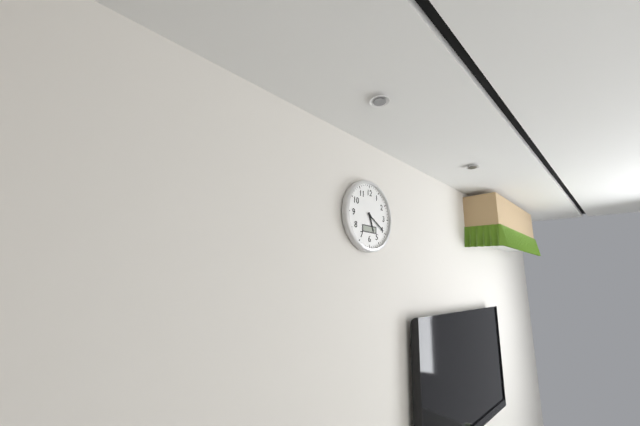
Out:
5 h 20 min
